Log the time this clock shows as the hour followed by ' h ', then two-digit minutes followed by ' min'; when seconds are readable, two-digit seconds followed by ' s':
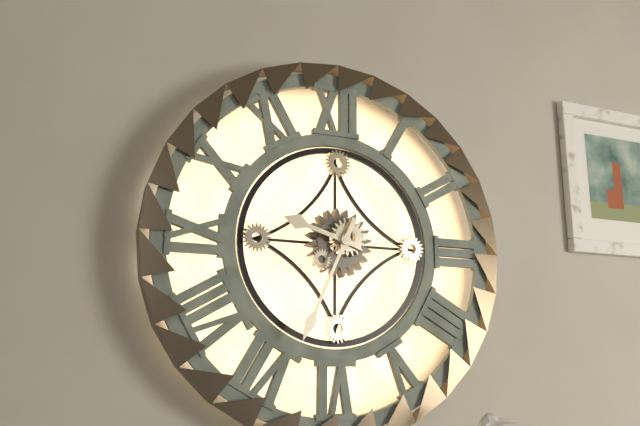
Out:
9 h 34 min
